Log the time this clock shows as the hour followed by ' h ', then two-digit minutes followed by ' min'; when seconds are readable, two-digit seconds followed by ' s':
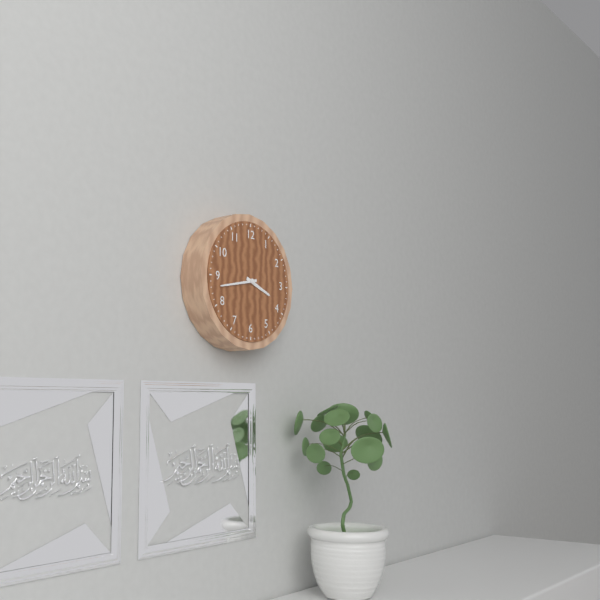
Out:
3 h 43 min
